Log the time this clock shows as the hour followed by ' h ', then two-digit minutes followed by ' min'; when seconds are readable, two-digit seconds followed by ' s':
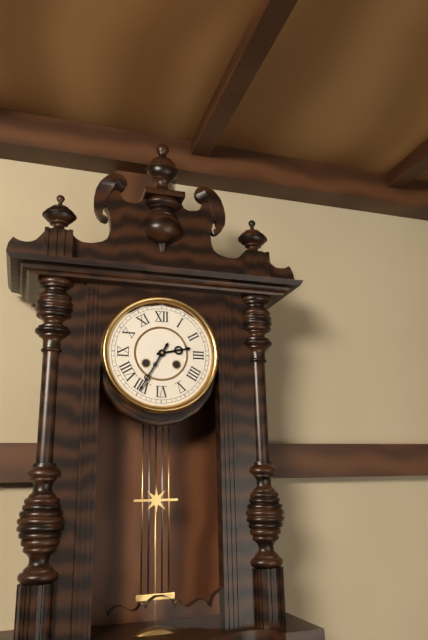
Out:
2 h 35 min
